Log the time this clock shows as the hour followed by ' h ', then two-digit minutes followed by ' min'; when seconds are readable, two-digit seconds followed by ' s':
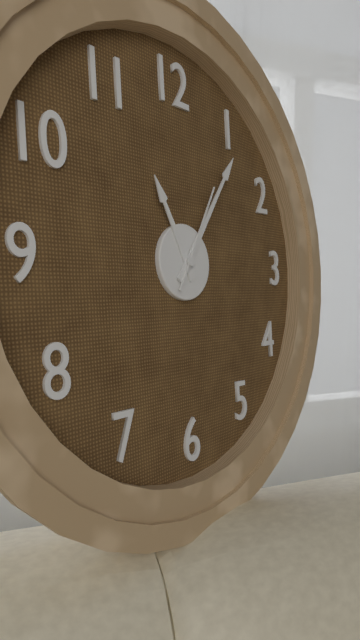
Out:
11 h 06 min 05 s
